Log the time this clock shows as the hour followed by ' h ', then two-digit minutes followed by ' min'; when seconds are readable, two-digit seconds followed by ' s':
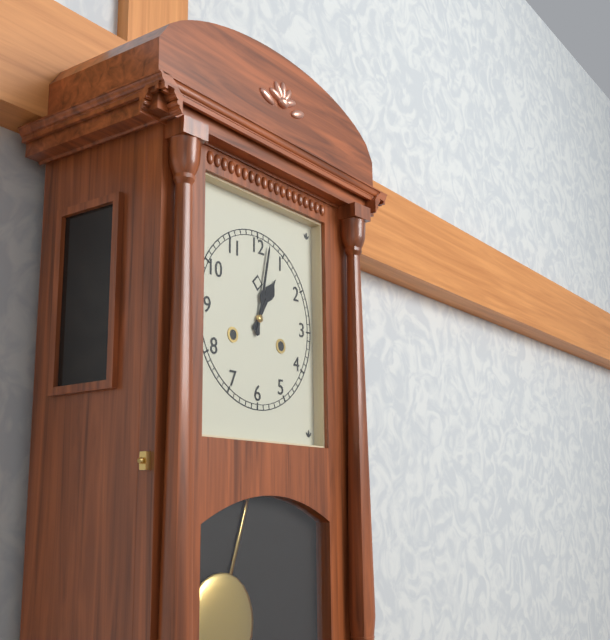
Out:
1 h 02 min
